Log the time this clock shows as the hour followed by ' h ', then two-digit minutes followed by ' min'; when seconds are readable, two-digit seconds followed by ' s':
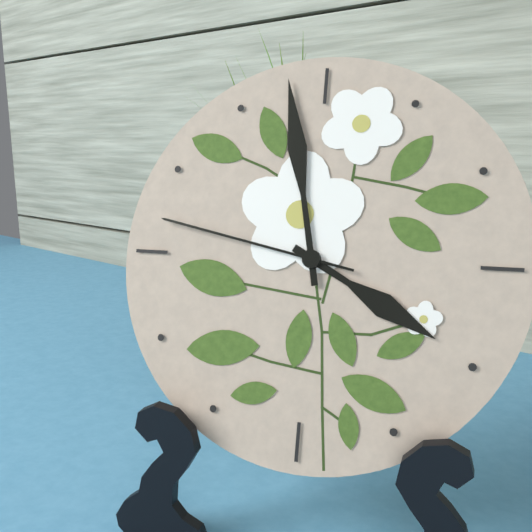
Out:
3 h 58 min 47 s
